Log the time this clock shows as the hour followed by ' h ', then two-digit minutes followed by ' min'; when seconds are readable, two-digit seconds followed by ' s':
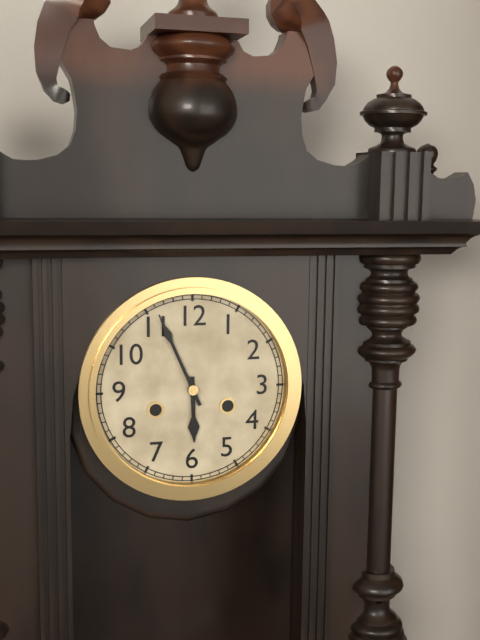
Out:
5 h 56 min
